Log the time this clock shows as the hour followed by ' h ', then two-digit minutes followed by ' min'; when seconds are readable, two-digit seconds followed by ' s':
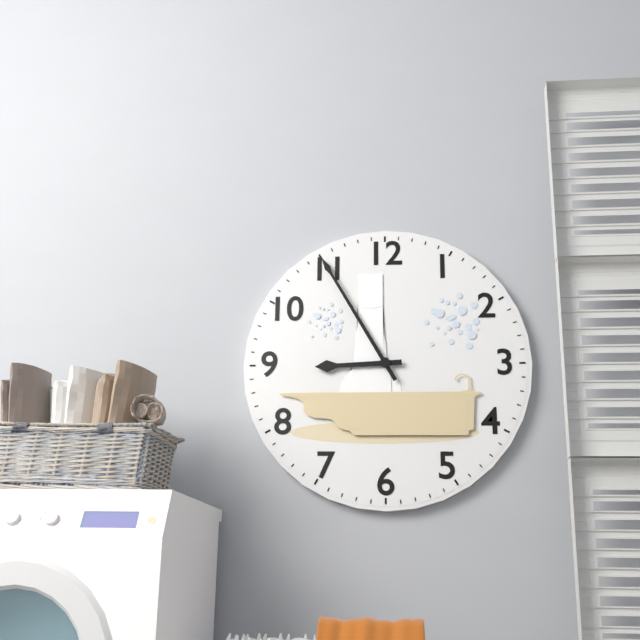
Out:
8 h 55 min
